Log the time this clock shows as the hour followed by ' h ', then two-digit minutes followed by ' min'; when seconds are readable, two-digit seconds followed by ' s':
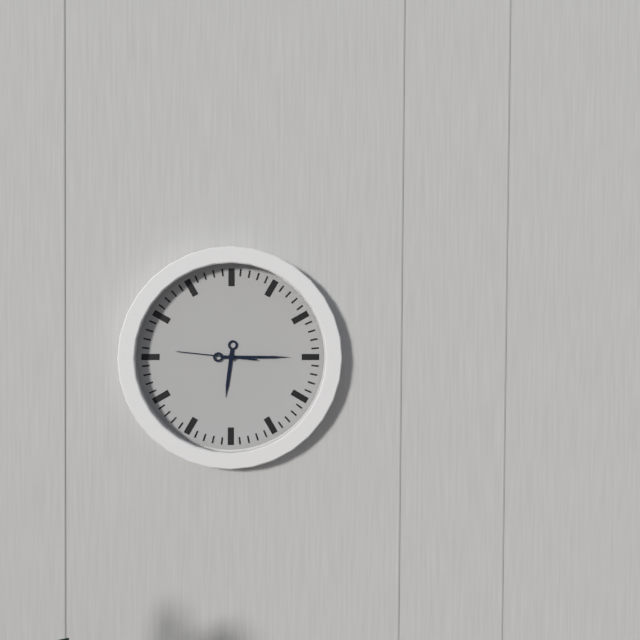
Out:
6 h 15 min 46 s
